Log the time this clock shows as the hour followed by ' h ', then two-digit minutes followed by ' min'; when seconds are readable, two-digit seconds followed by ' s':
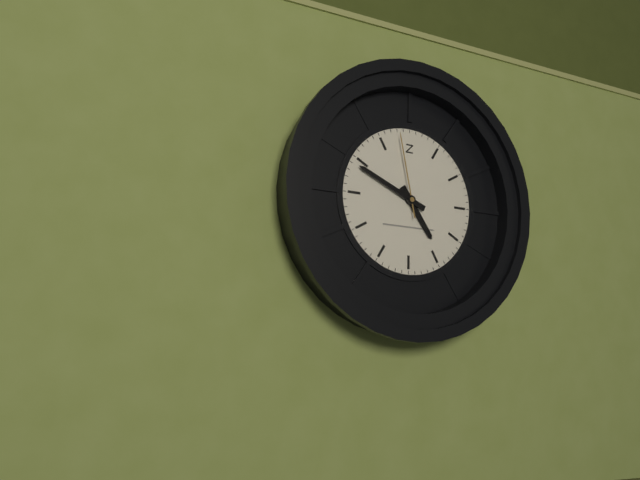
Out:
4 h 49 min 58 s
